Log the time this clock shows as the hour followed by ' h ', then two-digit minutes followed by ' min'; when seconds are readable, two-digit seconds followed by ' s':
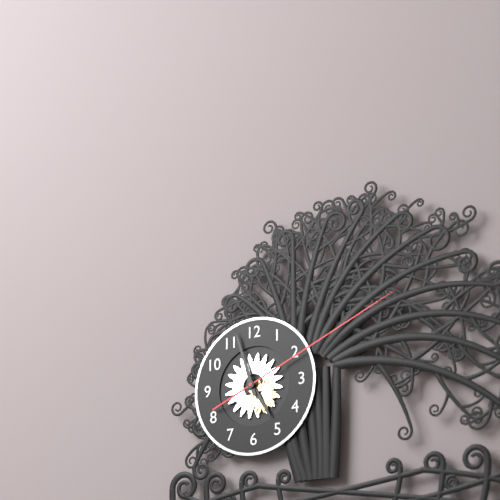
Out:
4 h 57 min 11 s
